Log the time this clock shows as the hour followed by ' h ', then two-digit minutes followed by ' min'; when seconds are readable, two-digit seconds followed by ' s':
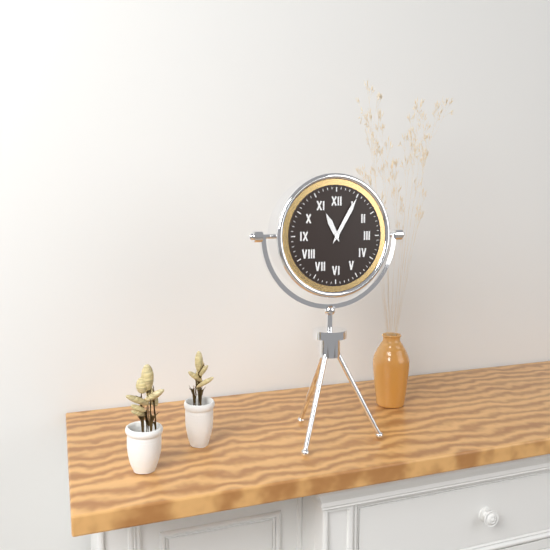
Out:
11 h 05 min
